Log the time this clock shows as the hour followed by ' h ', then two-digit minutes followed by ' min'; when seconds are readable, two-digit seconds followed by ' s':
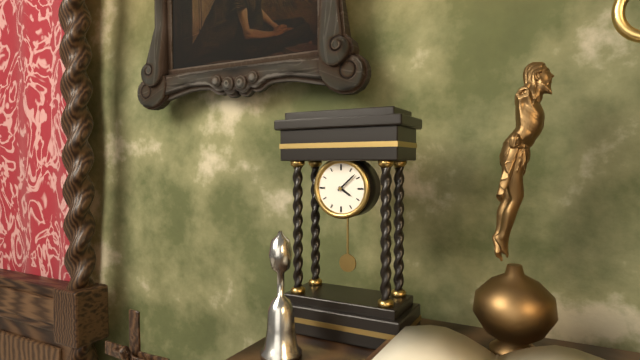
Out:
4 h 08 min
